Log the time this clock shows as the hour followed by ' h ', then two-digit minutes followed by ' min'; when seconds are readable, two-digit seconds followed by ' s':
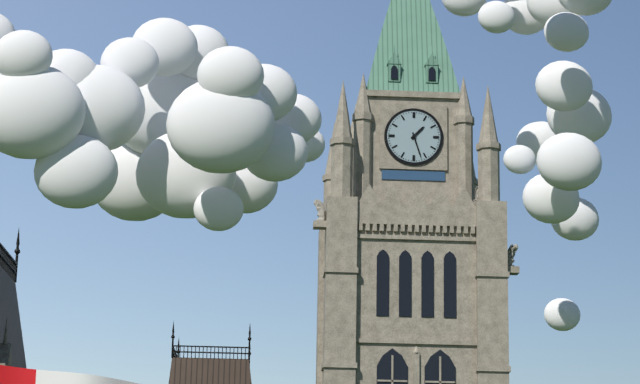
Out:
1 h 27 min
